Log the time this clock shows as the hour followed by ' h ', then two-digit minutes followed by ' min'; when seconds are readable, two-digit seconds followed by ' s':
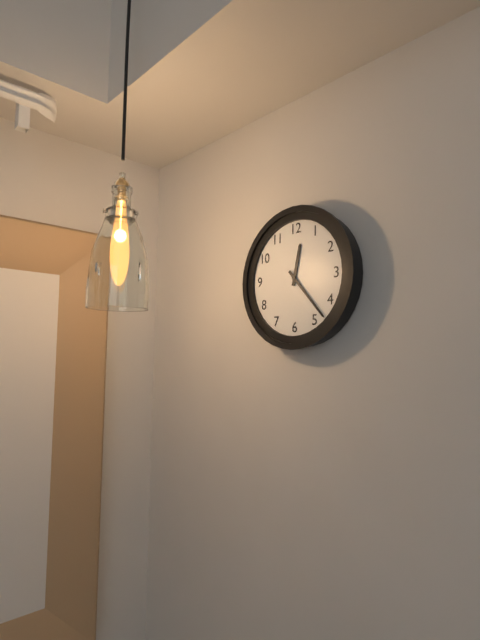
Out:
12 h 23 min
